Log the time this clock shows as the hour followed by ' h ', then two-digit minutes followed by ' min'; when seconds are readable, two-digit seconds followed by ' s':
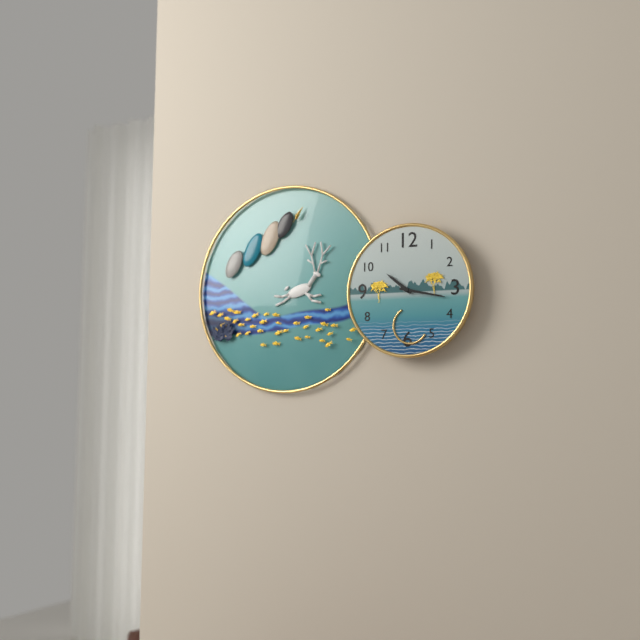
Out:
10 h 17 min
